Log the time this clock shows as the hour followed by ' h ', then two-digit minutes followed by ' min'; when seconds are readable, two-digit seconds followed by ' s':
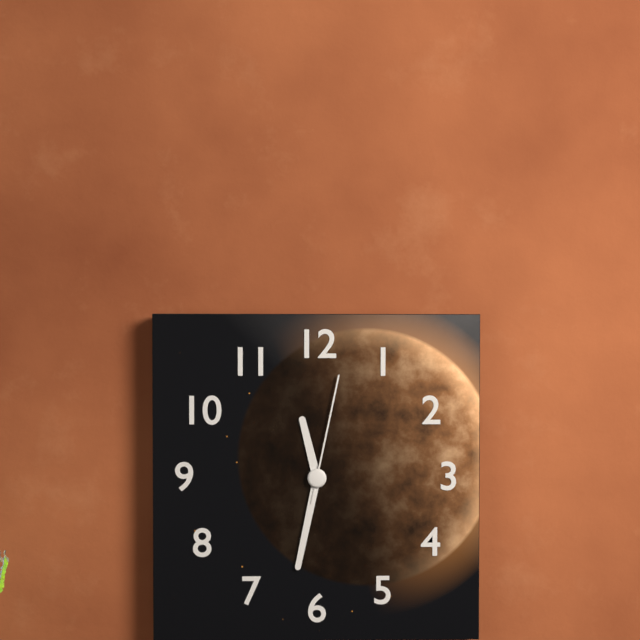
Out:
11 h 32 min 02 s
